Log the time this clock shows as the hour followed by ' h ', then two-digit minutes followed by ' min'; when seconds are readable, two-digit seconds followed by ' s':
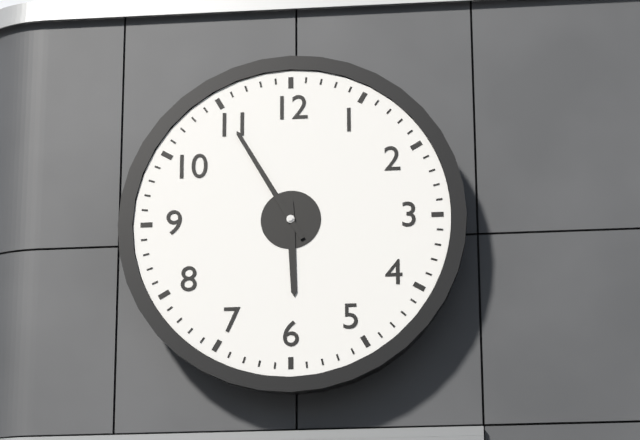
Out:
5 h 55 min
